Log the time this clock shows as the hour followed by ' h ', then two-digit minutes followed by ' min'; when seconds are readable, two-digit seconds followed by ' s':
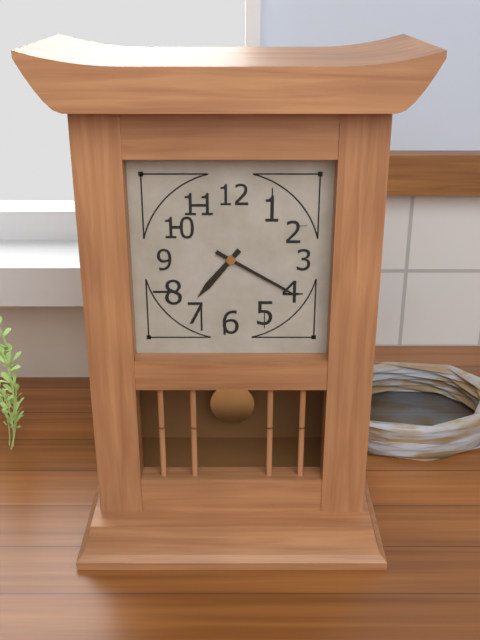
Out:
7 h 20 min
